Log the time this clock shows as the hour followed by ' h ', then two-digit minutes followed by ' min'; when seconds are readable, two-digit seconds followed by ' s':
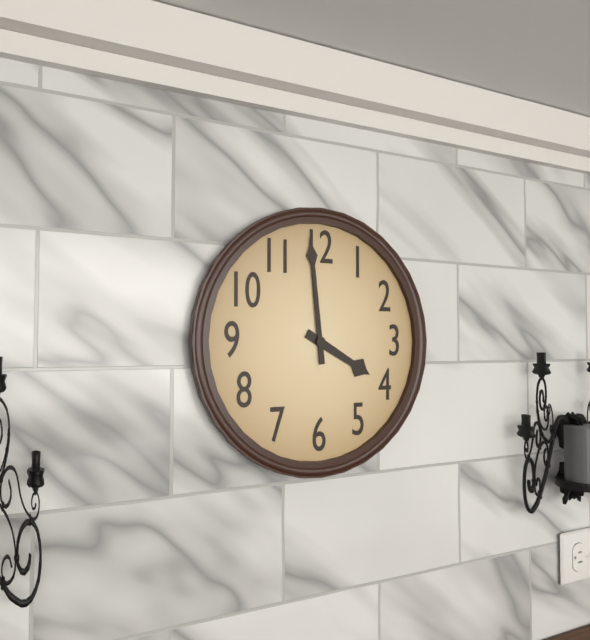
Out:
3 h 59 min
